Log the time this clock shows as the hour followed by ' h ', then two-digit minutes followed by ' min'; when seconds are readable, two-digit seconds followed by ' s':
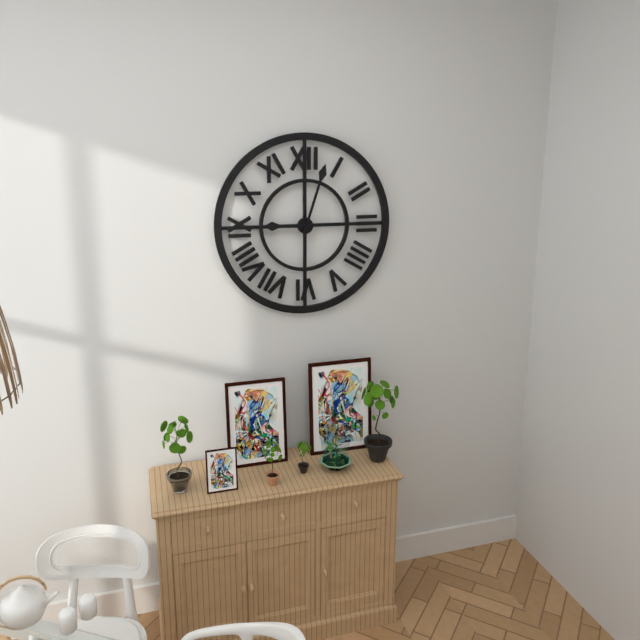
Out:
9 h 03 min
